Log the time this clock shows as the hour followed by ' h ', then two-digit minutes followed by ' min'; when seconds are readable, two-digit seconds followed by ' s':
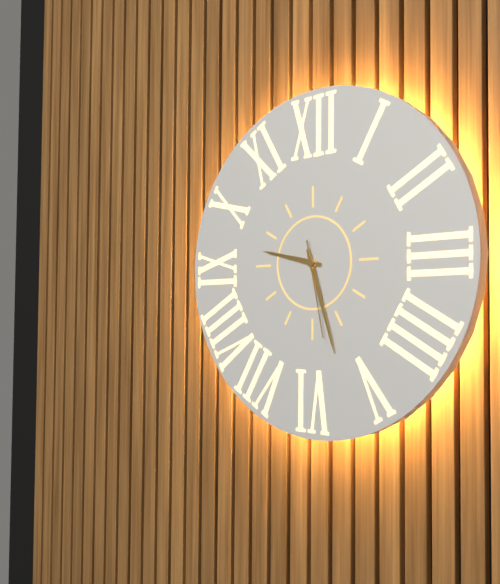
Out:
9 h 27 min 28 s
